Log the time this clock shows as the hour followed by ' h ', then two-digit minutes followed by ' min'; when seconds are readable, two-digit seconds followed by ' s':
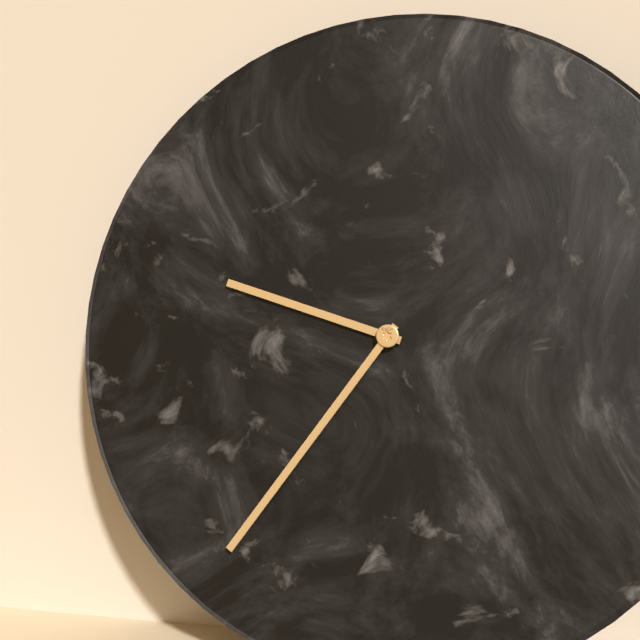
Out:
9 h 36 min
